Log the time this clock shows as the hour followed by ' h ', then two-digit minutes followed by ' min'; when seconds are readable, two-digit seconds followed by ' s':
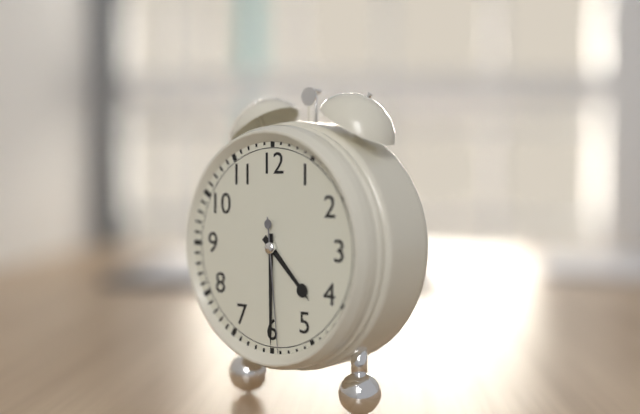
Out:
4 h 30 min 29 s
